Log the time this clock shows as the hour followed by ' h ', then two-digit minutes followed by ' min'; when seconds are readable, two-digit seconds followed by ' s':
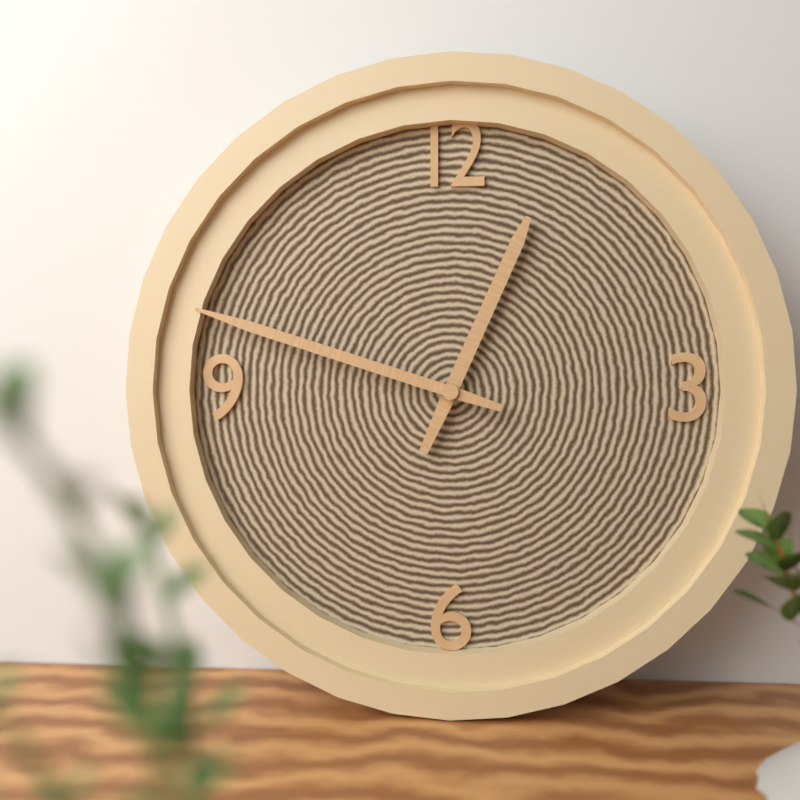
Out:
12 h 48 min
